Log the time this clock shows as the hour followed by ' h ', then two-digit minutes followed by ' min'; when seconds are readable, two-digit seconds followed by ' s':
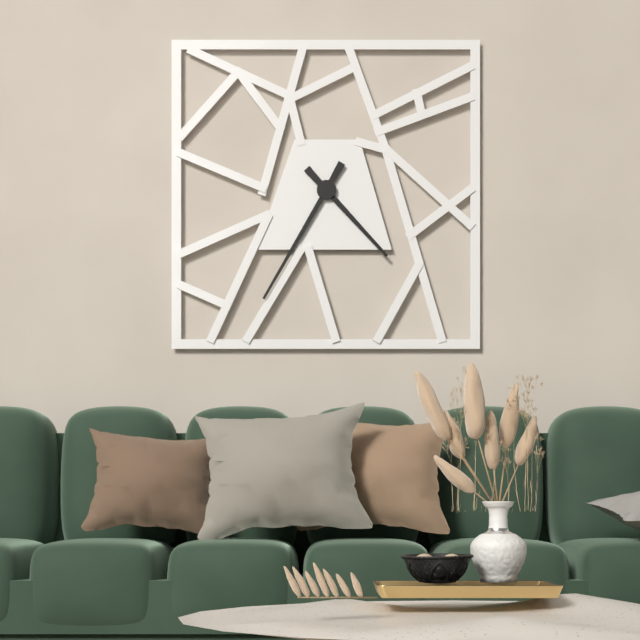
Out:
4 h 35 min
